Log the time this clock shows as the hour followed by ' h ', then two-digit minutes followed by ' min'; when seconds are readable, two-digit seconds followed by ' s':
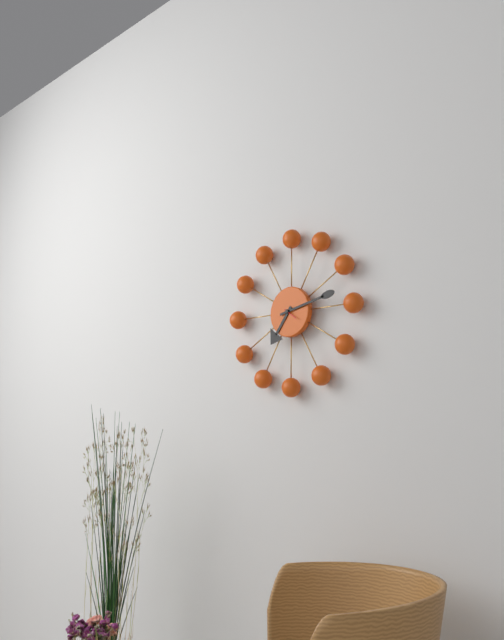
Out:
7 h 13 min
